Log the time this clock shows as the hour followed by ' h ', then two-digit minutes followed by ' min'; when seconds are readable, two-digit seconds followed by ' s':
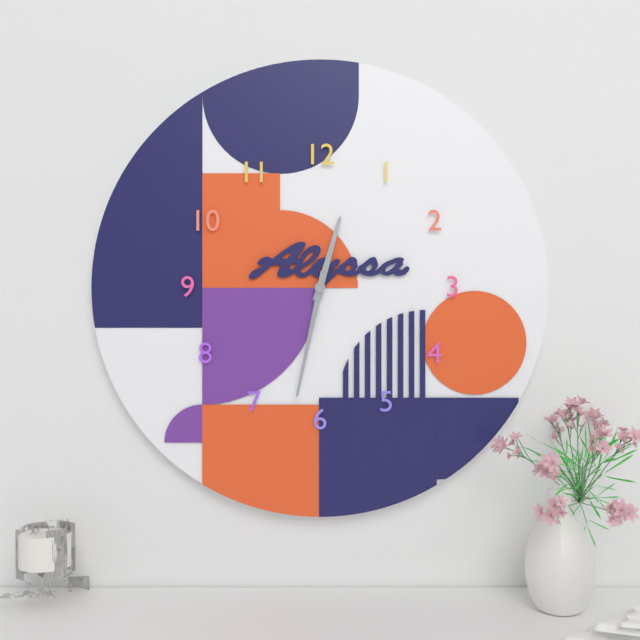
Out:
12 h 32 min
